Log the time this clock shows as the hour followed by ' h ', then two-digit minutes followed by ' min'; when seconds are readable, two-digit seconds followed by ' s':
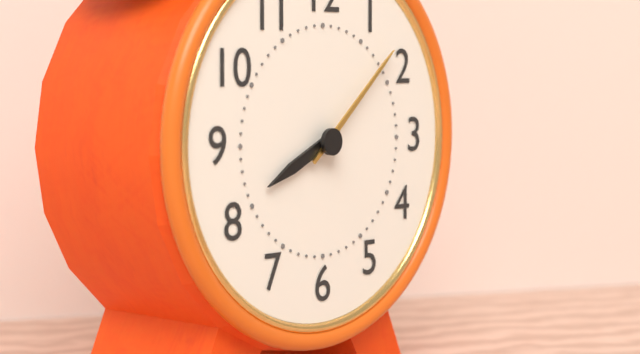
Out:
8 h 08 min
